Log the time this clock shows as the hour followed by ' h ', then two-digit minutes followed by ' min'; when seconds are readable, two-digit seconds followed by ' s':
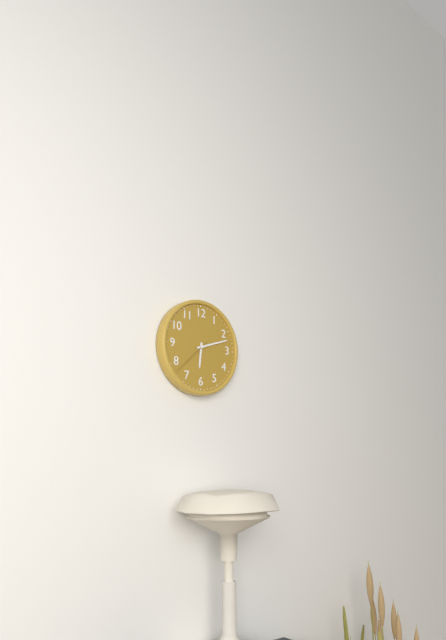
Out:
6 h 12 min
